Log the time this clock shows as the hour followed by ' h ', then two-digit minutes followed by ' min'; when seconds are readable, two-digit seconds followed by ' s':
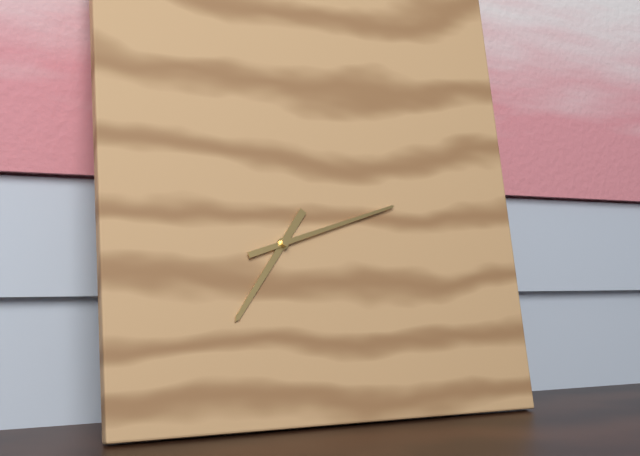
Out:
7 h 12 min
